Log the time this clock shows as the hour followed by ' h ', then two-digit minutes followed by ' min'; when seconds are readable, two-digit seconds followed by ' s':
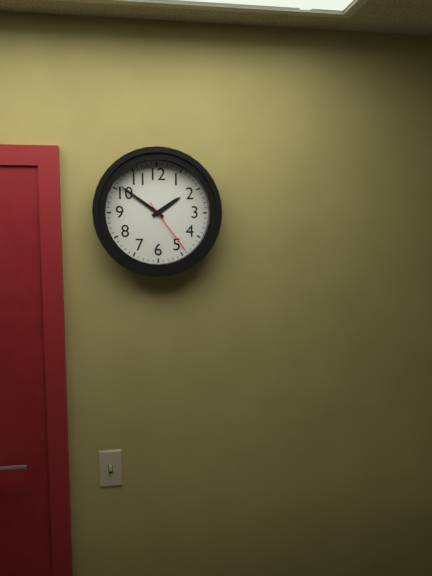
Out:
1 h 51 min 24 s
